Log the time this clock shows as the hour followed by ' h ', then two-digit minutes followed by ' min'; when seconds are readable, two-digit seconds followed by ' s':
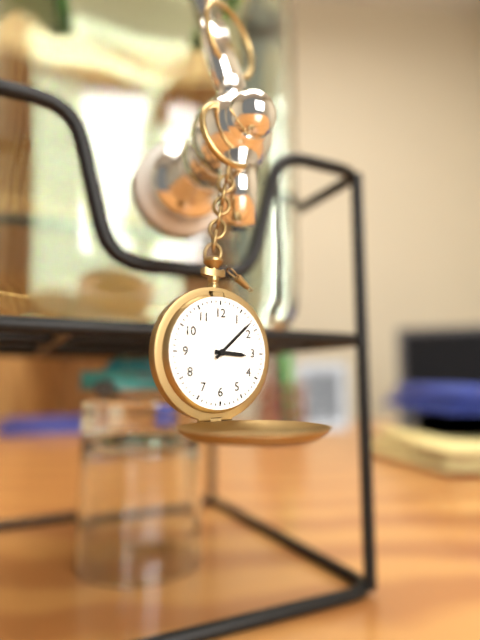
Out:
3 h 08 min
